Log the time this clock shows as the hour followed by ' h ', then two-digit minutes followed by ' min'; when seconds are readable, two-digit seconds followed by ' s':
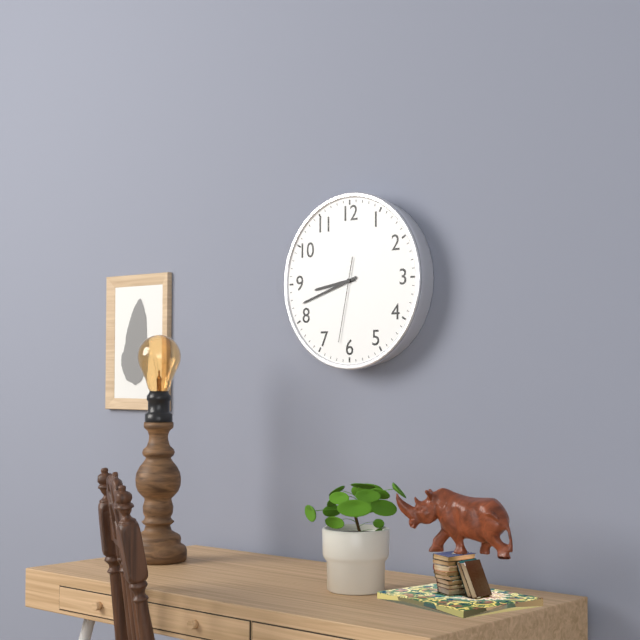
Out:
8 h 42 min 32 s
